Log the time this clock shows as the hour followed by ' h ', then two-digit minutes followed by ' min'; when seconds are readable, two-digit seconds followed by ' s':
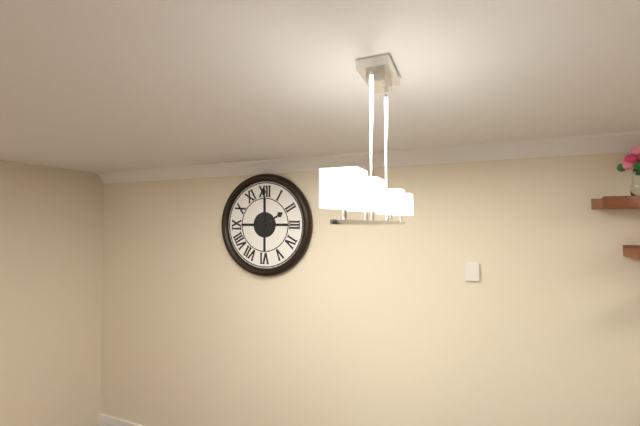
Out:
2 h 00 min
